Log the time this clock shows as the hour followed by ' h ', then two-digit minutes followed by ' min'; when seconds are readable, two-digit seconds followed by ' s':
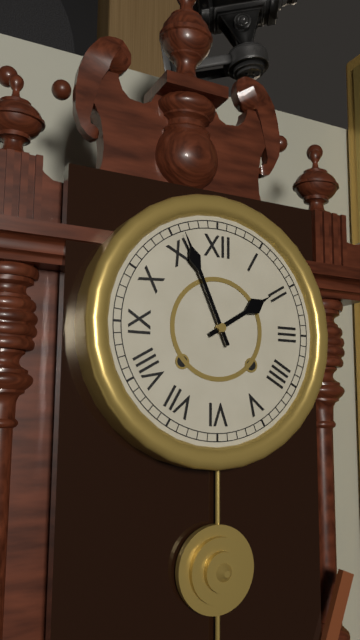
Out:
1 h 56 min
